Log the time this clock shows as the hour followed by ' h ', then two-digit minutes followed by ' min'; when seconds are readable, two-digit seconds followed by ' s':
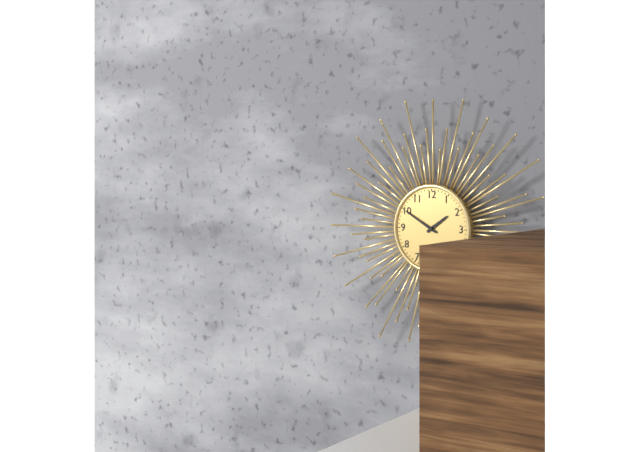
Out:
1 h 50 min
